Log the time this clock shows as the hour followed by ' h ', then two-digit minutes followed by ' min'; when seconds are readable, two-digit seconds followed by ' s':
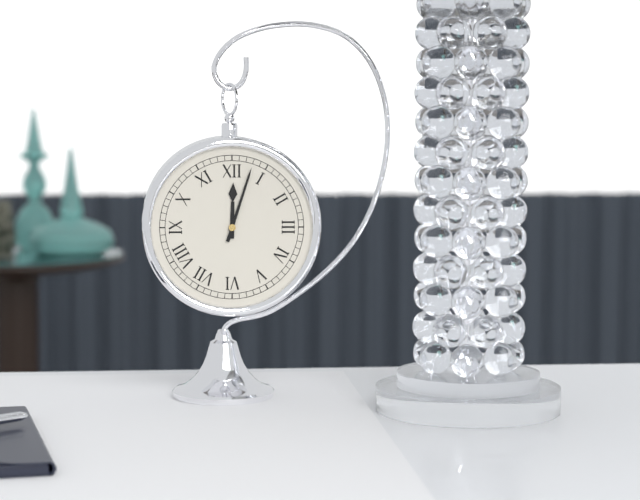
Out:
12 h 03 min
